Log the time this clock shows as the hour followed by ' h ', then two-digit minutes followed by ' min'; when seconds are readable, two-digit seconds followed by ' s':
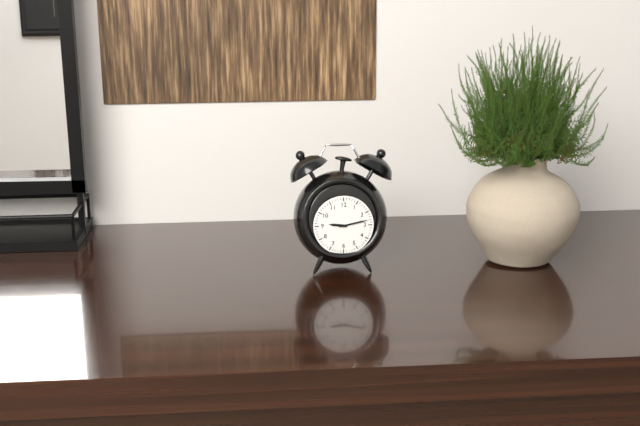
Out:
9 h 13 min
